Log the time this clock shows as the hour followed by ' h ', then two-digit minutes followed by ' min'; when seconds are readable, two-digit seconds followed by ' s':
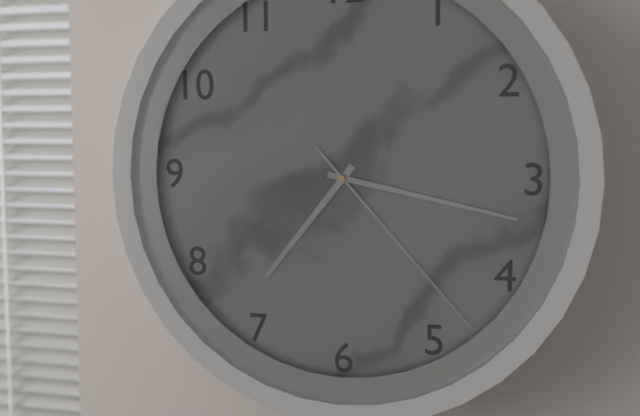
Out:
7 h 17 min 23 s
